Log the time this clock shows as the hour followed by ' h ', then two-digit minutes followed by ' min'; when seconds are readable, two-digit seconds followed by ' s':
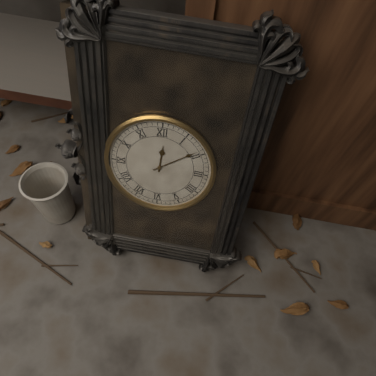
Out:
12 h 09 min
